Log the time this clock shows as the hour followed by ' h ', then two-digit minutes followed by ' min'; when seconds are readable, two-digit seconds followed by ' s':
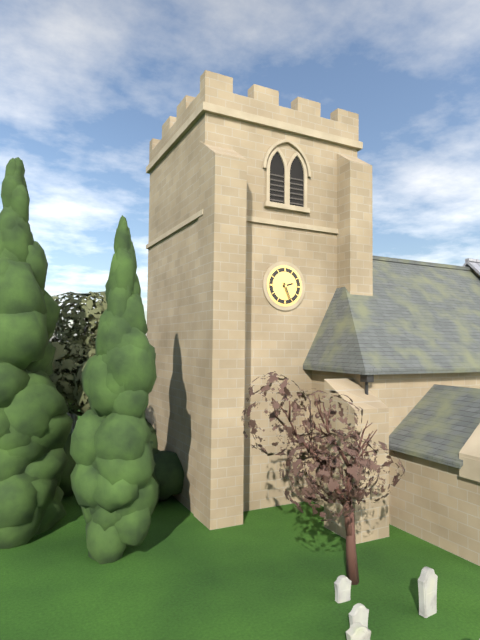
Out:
2 h 26 min
